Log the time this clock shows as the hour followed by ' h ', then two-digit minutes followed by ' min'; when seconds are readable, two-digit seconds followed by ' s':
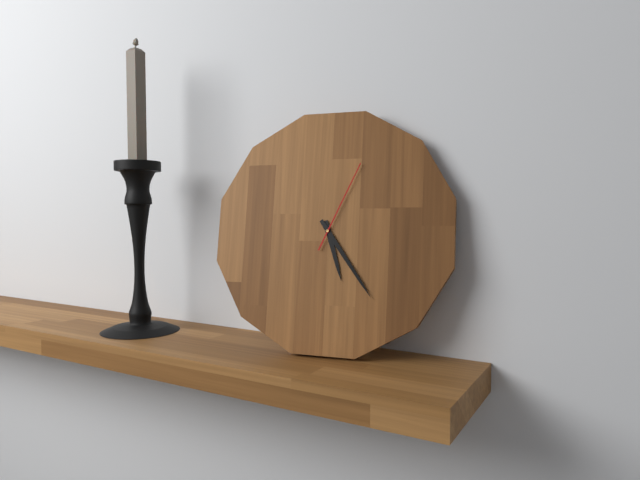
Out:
5 h 24 min 04 s
